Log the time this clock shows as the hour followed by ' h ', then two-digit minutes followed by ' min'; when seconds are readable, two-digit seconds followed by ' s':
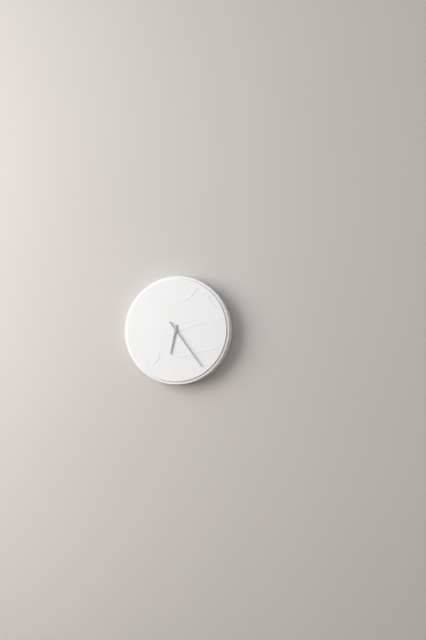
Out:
6 h 24 min
